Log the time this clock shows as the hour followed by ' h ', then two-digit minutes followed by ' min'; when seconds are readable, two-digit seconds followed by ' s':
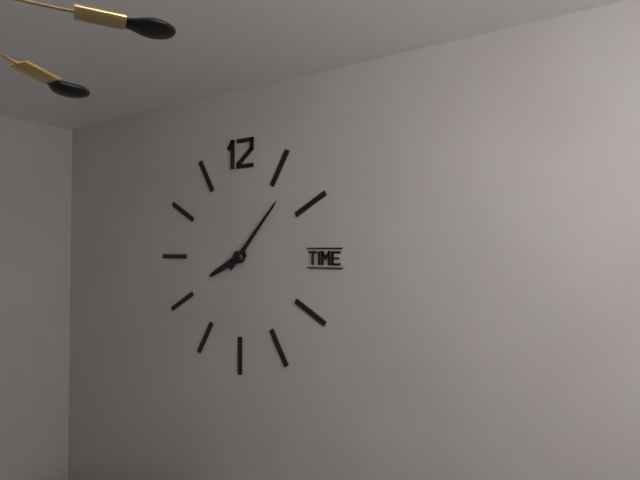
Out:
8 h 07 min
